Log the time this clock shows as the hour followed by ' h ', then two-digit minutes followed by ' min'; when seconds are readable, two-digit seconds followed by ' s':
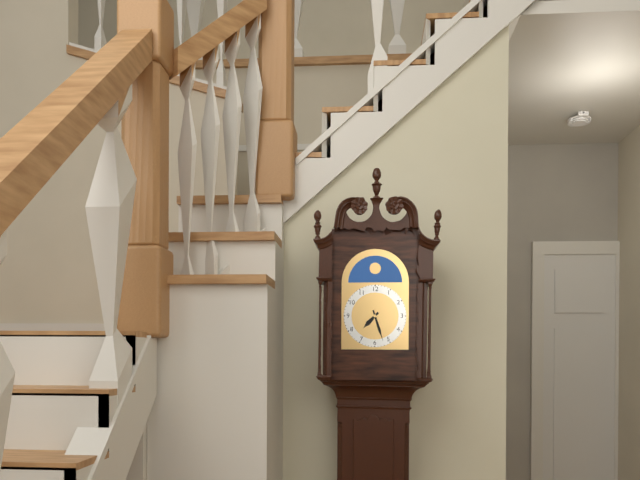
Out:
7 h 27 min
